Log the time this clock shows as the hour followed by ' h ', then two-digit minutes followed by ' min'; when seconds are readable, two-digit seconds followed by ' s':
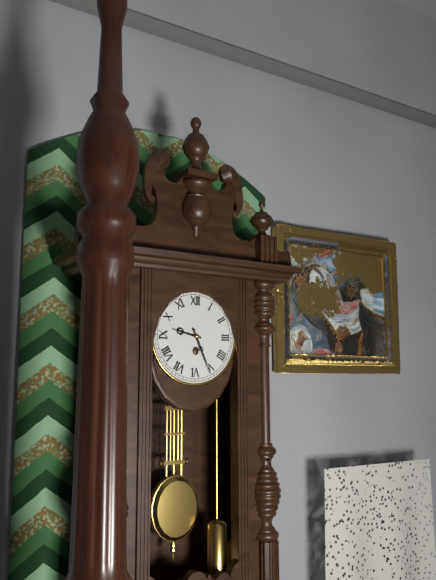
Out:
9 h 26 min
